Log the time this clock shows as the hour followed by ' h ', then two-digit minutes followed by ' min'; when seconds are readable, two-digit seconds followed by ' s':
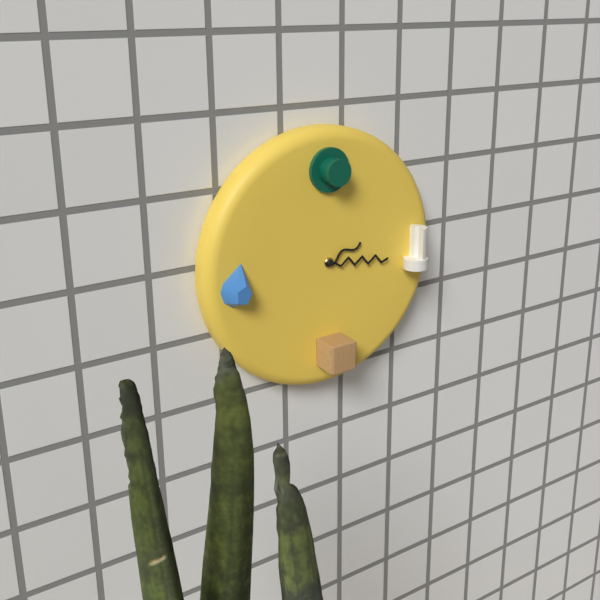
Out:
2 h 16 min
